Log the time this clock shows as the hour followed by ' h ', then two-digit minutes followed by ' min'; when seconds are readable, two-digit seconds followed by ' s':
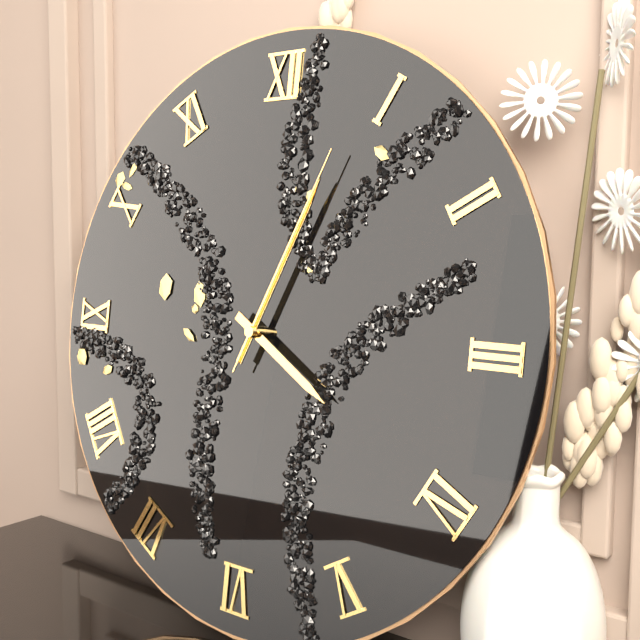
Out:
4 h 04 min 04 s
